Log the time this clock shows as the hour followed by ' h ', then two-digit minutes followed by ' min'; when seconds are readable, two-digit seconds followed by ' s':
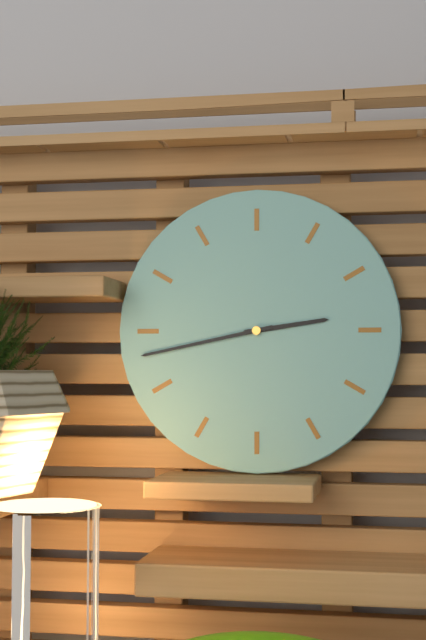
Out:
2 h 43 min
